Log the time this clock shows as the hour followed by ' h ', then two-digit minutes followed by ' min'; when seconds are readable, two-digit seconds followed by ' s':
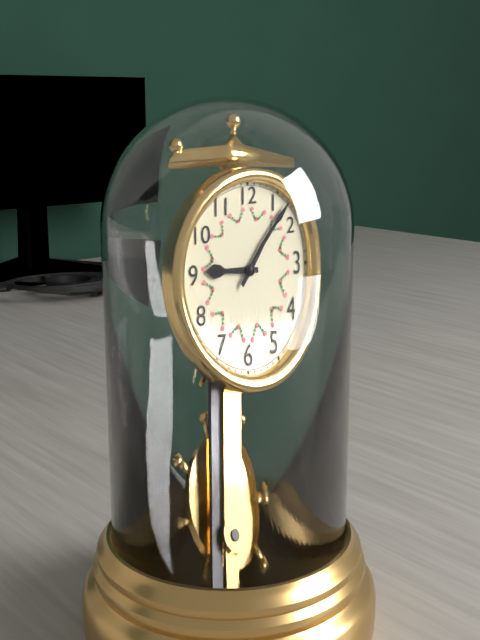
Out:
9 h 07 min
